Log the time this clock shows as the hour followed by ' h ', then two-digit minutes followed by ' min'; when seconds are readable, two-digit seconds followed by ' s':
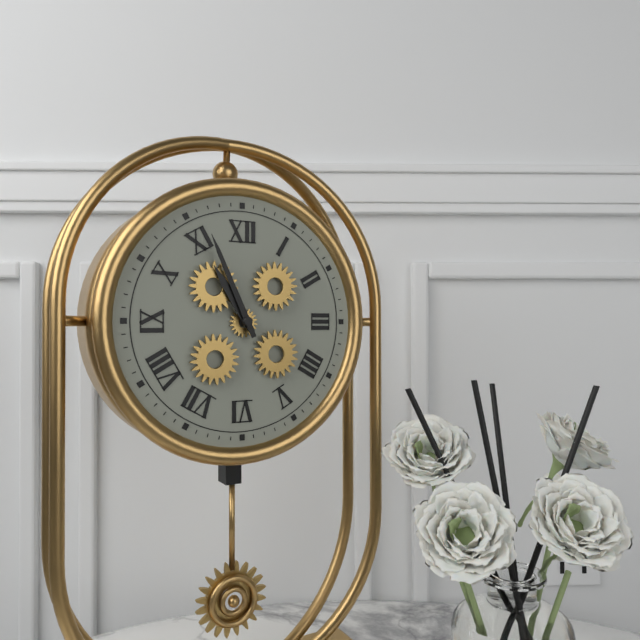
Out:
10 h 56 min
